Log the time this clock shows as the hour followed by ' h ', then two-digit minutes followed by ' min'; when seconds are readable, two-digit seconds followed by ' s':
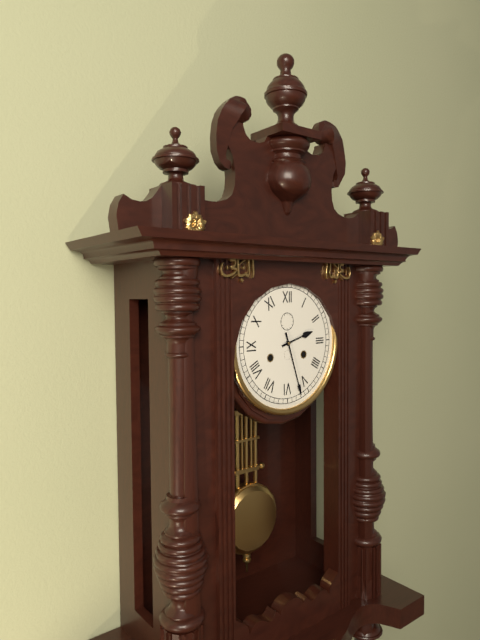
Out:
2 h 27 min
